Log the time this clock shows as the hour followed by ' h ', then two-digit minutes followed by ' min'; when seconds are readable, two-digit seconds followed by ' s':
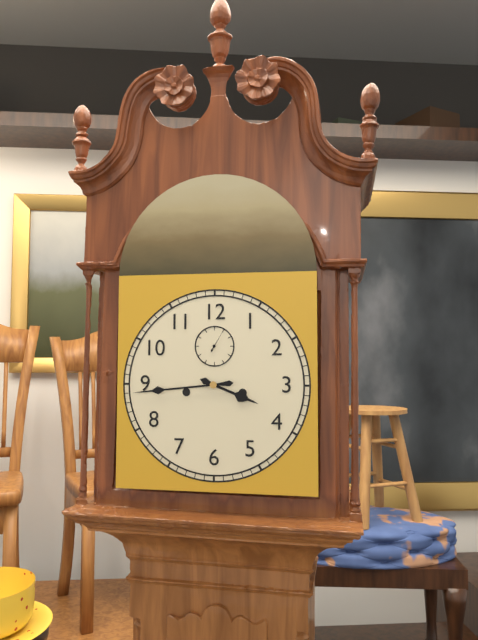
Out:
3 h 44 min
